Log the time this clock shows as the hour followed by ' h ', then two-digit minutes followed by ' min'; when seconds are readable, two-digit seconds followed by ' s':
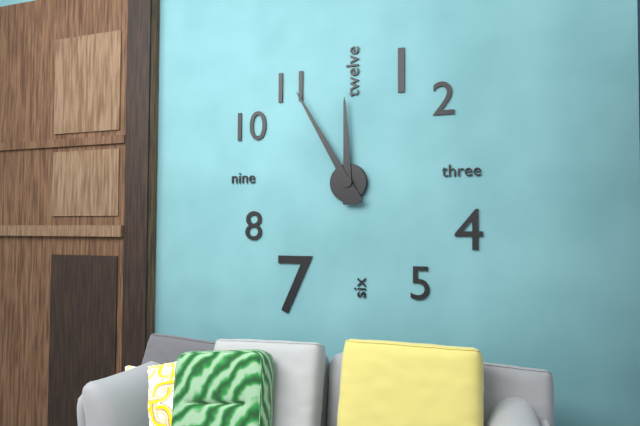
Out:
11 h 55 min
